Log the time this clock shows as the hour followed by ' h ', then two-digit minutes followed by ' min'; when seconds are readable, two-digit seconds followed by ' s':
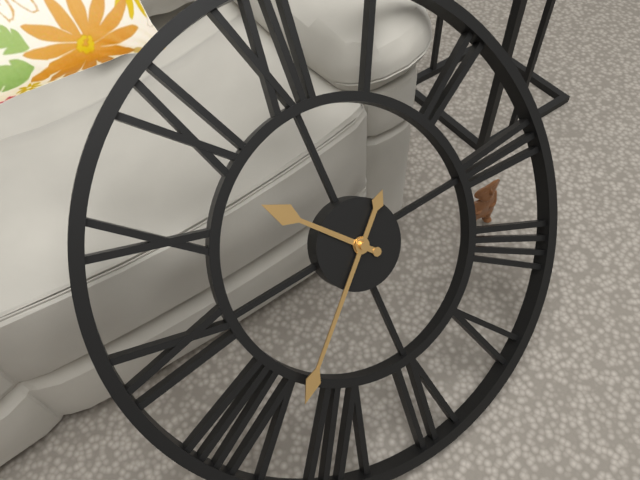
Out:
10 h 38 min
